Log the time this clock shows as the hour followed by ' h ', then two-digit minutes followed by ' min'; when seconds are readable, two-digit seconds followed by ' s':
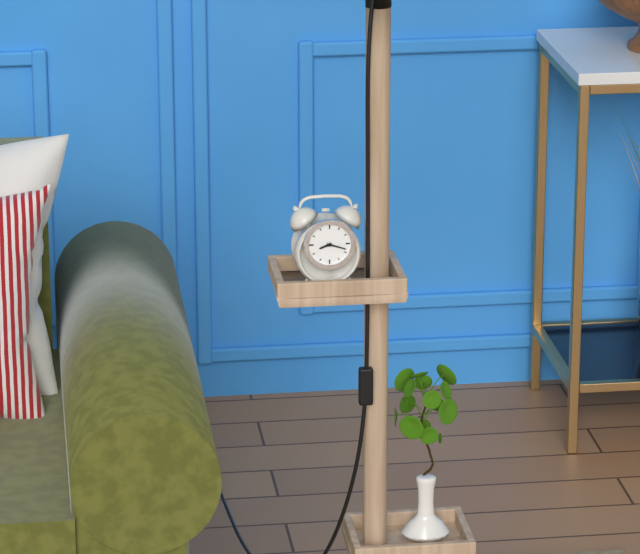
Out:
8 h 18 min
